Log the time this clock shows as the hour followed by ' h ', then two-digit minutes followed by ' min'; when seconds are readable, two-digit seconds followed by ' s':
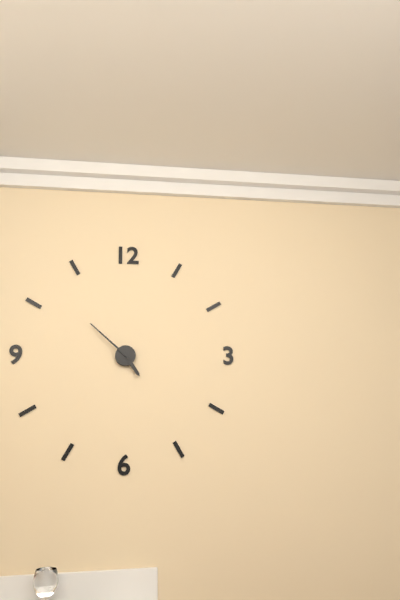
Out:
4 h 52 min
